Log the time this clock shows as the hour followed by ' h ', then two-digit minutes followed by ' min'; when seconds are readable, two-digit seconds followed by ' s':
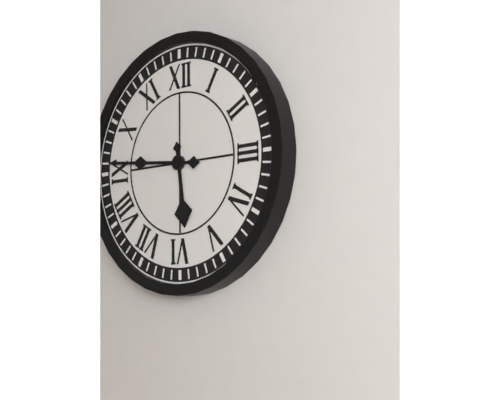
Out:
5 h 46 min
